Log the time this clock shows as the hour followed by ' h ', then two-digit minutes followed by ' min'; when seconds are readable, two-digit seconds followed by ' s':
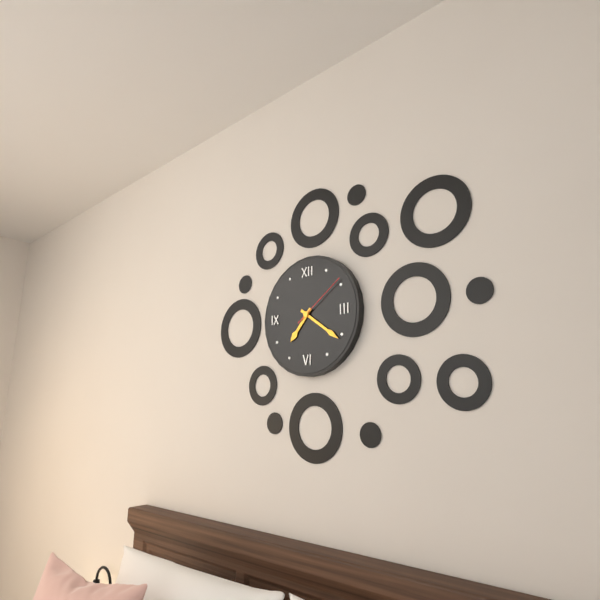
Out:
7 h 21 min 09 s
